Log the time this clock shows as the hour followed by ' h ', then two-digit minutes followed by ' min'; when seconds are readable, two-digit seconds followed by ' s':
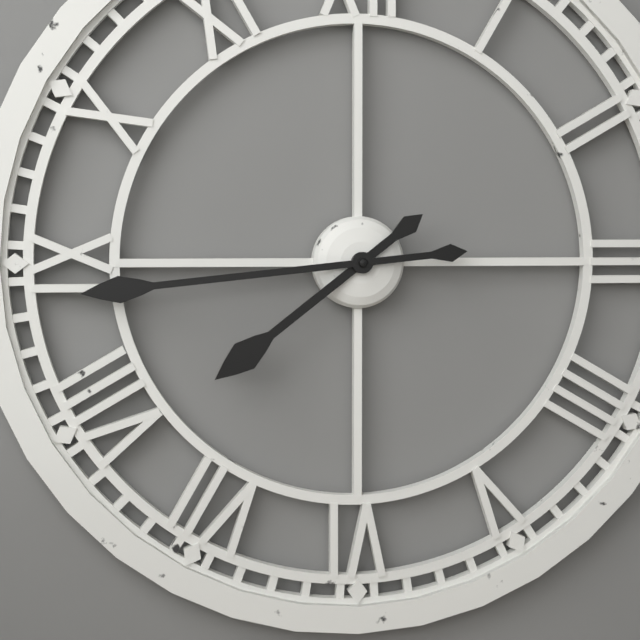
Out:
7 h 44 min
